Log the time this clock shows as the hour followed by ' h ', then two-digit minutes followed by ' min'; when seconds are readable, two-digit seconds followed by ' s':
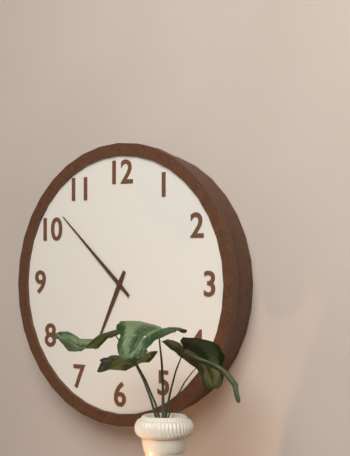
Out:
6 h 52 min
